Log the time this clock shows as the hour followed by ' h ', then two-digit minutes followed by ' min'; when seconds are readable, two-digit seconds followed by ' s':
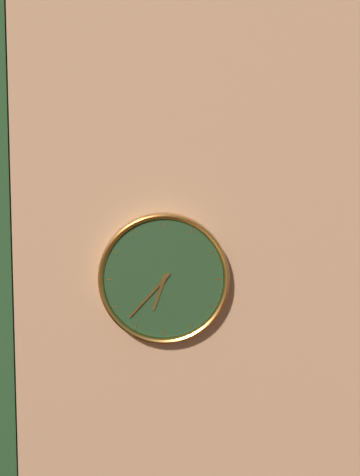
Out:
6 h 37 min
